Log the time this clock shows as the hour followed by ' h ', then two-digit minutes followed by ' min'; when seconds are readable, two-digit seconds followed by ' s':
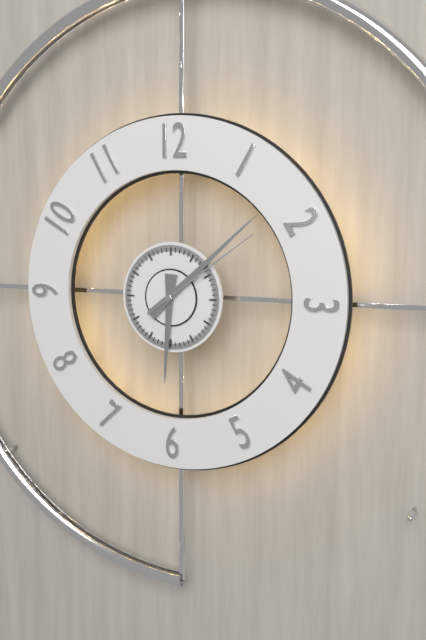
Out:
6 h 08 min 09 s
